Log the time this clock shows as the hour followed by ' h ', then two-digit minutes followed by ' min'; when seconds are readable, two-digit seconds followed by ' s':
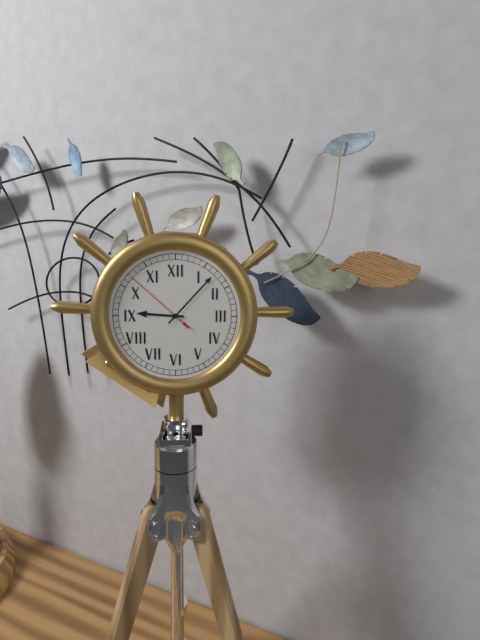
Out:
9 h 07 min 52 s
